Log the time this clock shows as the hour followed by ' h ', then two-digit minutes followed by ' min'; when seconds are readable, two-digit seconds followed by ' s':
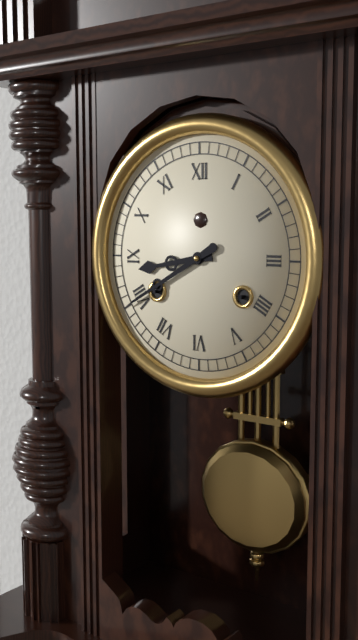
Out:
8 h 40 min
